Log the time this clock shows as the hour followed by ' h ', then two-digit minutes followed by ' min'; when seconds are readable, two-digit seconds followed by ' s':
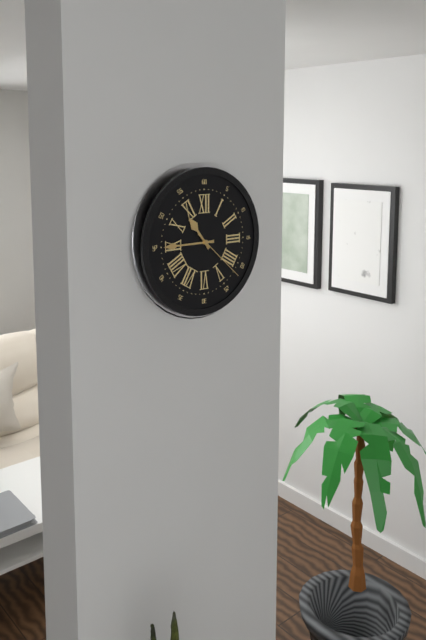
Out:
10 h 45 min 22 s
